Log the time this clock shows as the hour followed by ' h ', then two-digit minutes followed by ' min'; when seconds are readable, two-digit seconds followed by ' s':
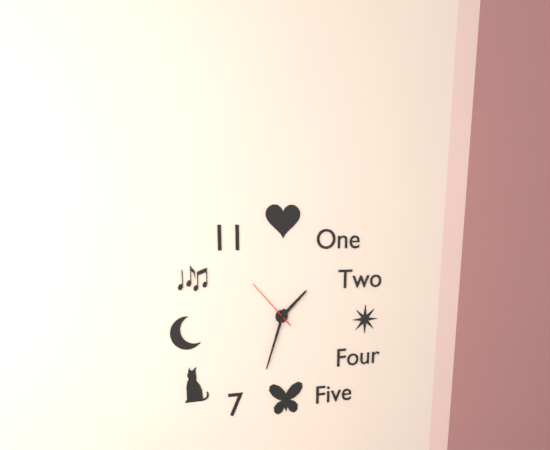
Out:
1 h 33 min 53 s
